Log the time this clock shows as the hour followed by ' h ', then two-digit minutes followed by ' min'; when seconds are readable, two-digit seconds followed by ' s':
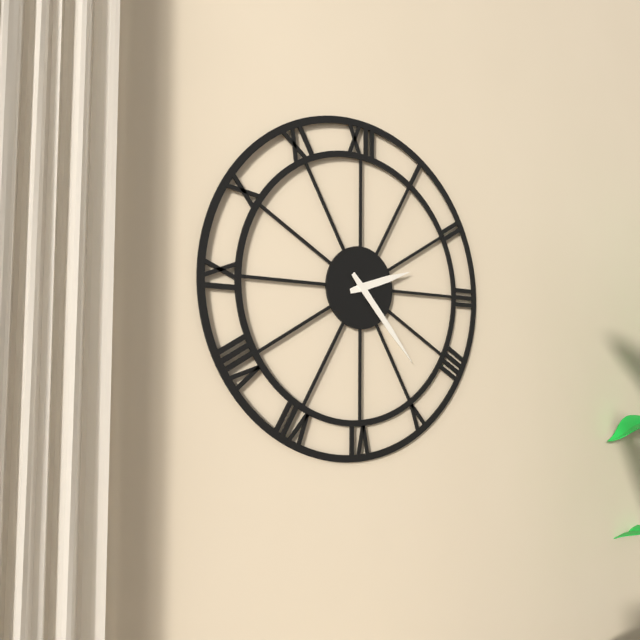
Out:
2 h 23 min
